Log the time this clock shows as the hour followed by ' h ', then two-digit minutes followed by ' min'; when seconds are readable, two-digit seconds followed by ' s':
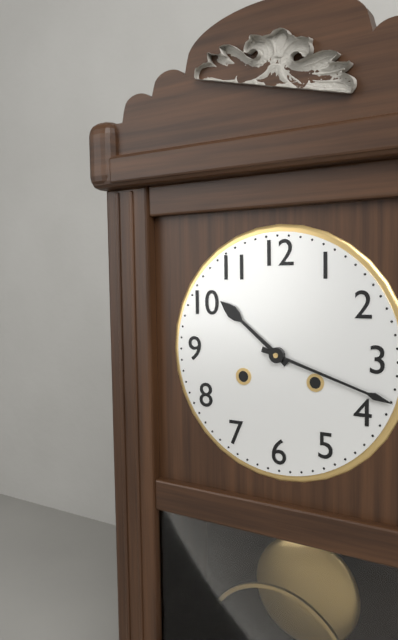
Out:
10 h 18 min
